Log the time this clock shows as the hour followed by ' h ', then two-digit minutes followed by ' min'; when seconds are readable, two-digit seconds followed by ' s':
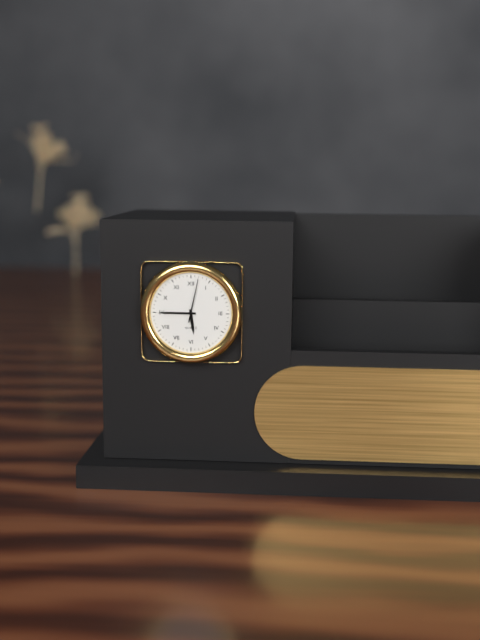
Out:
5 h 45 min
